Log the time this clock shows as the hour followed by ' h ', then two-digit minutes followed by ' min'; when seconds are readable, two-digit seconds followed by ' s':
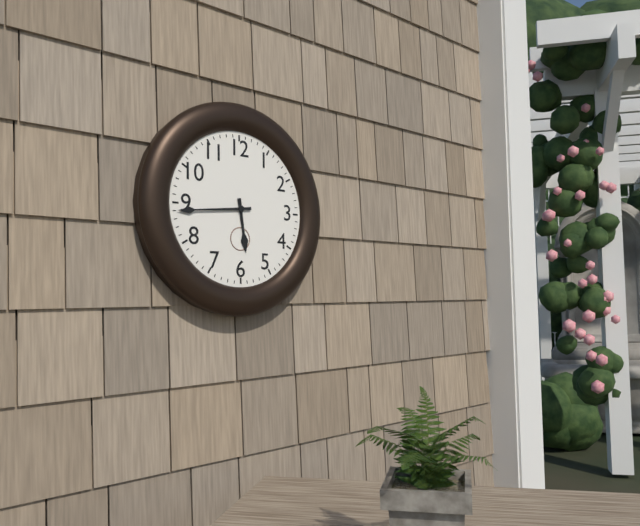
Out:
5 h 44 min
